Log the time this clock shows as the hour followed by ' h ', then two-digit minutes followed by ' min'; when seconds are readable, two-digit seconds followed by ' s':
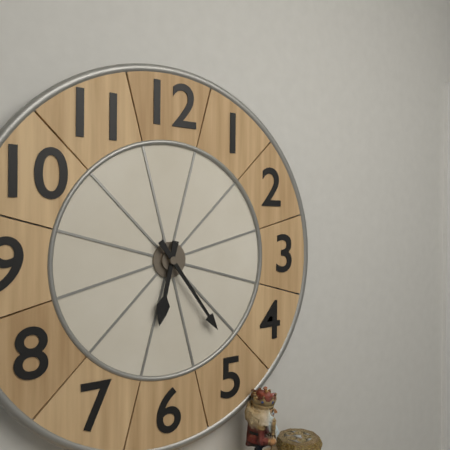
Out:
6 h 24 min
